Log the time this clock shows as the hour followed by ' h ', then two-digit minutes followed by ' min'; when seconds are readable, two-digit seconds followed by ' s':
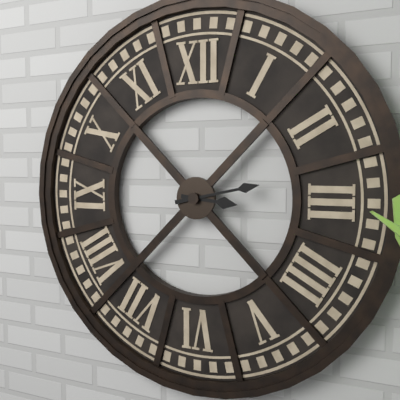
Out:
3 h 13 min
